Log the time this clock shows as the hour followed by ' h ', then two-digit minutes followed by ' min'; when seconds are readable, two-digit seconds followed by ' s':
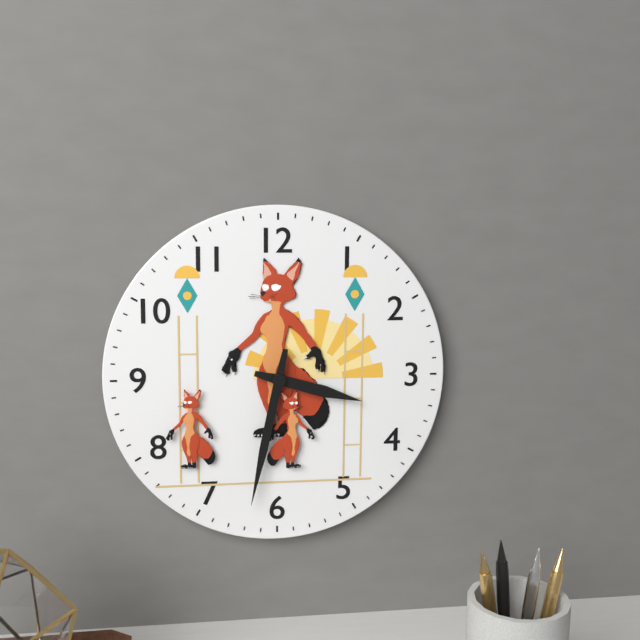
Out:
3 h 32 min
